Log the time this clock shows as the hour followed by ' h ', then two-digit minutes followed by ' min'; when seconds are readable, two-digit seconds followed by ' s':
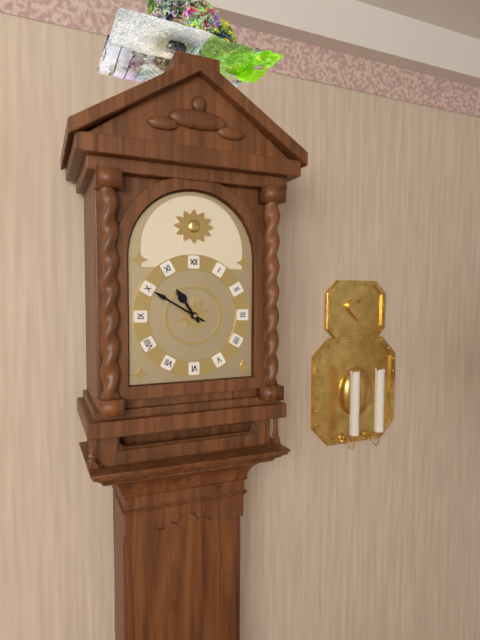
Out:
10 h 50 min
